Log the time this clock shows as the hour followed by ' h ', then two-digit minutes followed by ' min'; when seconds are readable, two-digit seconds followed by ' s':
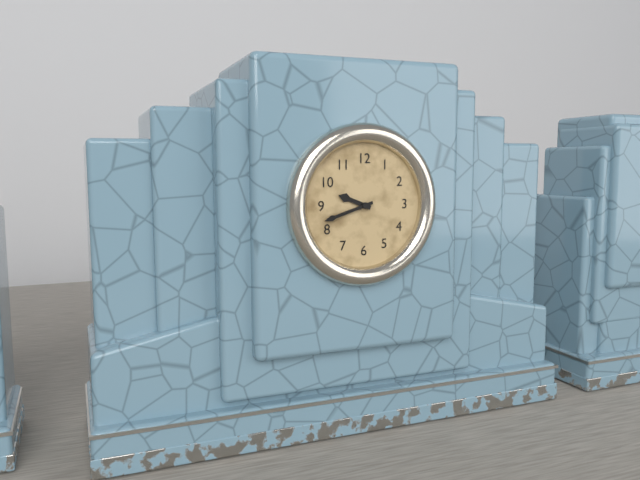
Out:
9 h 42 min
